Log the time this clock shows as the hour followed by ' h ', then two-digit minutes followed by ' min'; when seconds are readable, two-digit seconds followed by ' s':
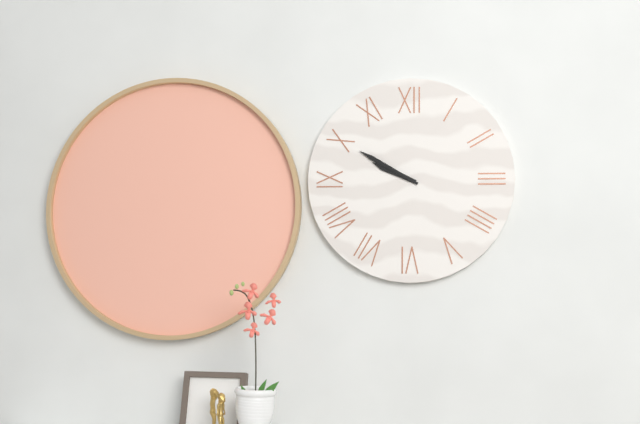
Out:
9 h 50 min
